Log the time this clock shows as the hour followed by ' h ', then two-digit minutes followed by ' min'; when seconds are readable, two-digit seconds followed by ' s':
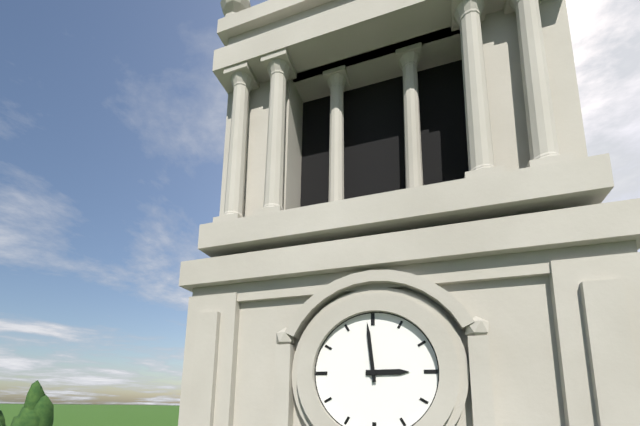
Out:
2 h 59 min
